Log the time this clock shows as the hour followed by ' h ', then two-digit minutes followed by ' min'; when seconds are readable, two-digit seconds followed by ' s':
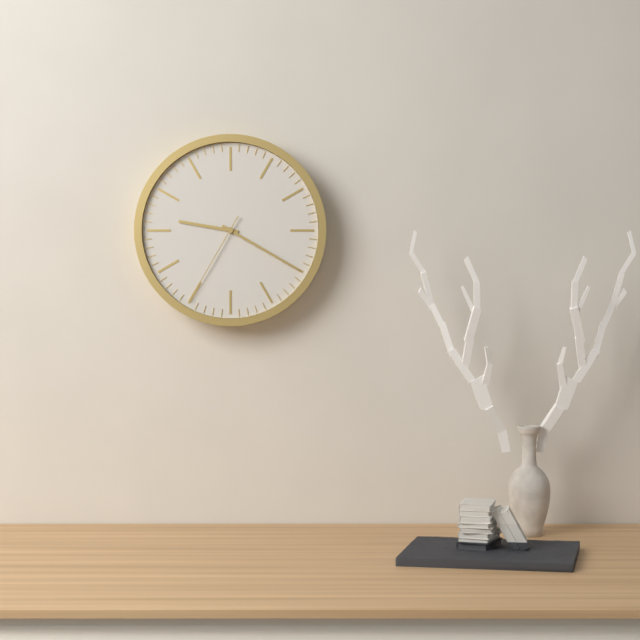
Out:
9 h 20 min 35 s
